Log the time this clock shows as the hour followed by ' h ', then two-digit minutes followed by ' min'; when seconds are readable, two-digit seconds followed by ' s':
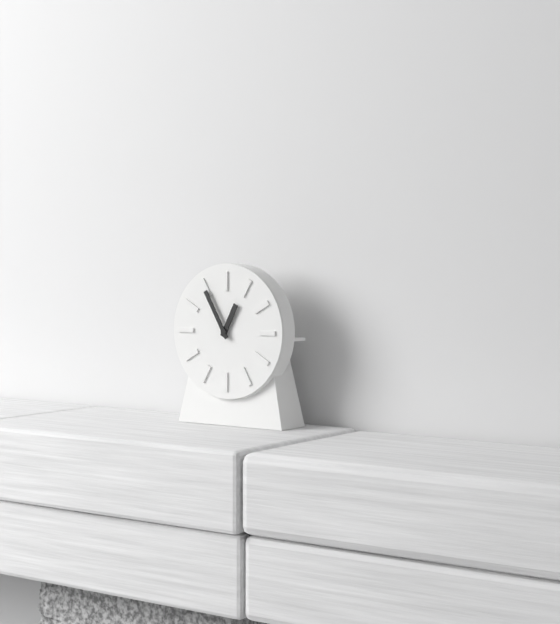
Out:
12 h 55 min
